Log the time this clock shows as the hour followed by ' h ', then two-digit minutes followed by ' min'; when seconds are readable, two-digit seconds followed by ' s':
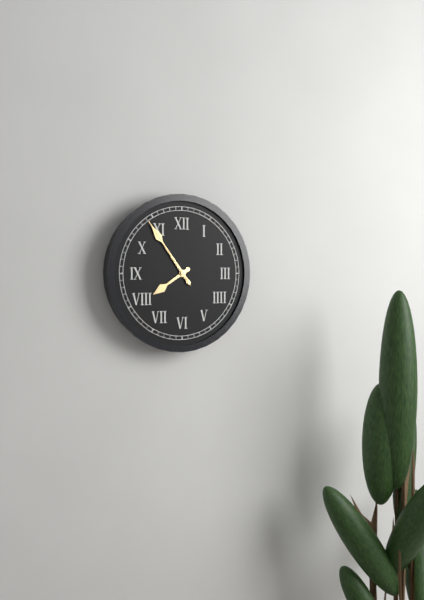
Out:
7 h 54 min 54 s
